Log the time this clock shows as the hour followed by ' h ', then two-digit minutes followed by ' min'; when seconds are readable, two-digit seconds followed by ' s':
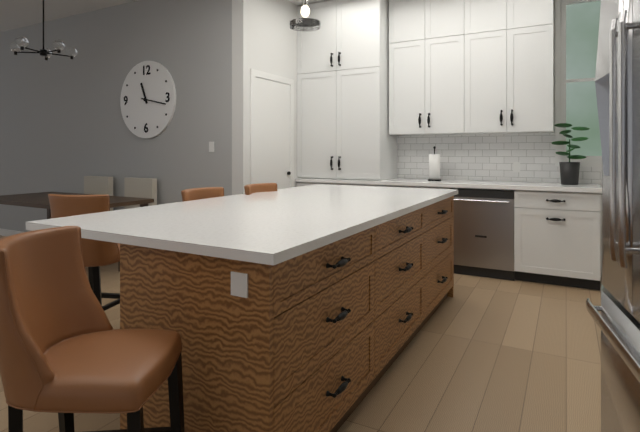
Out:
11 h 17 min
